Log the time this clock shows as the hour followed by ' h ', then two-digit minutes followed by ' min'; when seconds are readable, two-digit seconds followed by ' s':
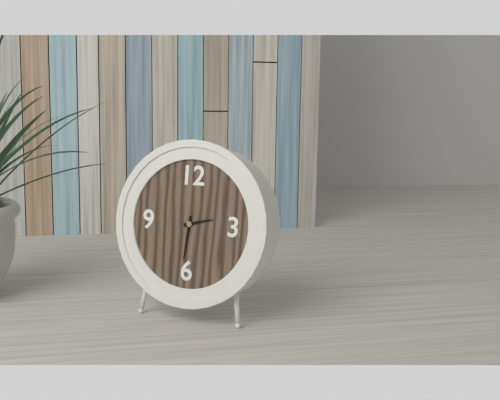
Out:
2 h 31 min
